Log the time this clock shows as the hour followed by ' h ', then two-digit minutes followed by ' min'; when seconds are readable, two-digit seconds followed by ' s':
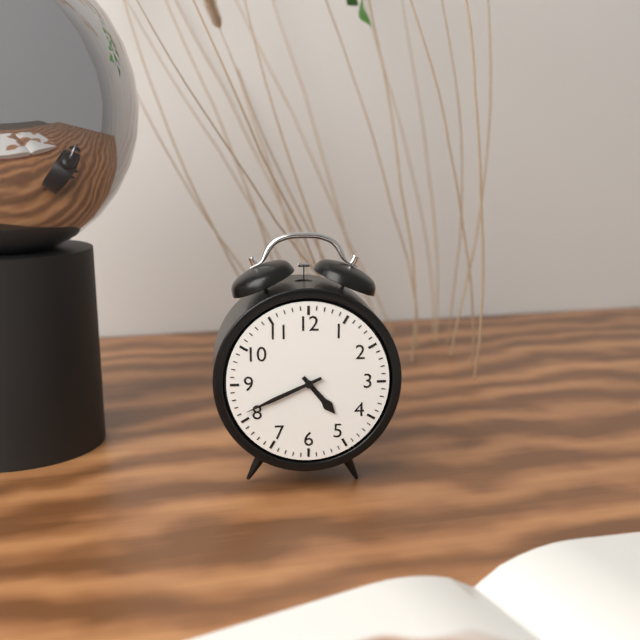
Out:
4 h 41 min
